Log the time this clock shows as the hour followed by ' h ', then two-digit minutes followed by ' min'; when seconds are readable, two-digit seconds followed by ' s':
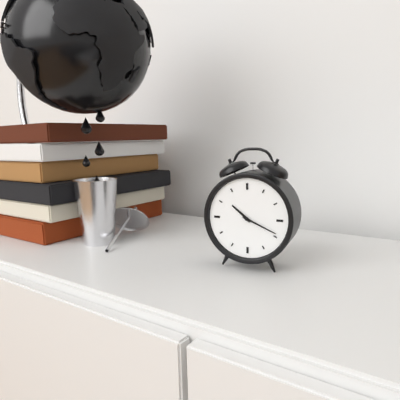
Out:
10 h 19 min
